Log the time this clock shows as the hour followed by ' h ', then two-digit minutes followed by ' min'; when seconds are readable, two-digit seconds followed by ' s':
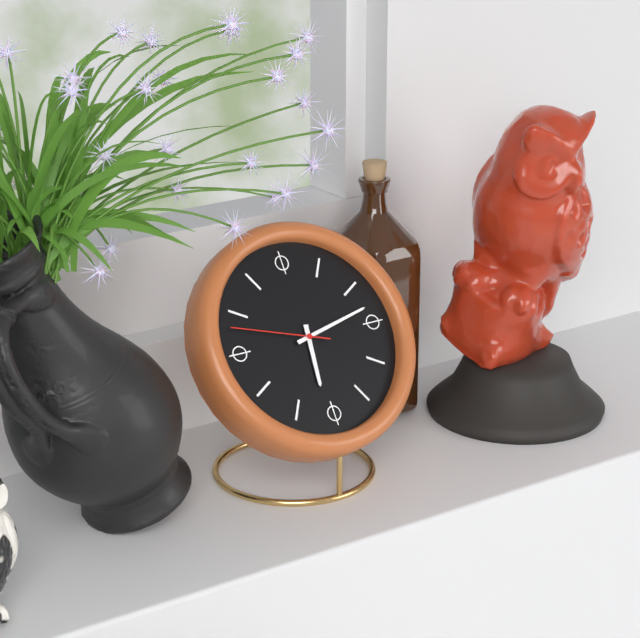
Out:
6 h 13 min 48 s
